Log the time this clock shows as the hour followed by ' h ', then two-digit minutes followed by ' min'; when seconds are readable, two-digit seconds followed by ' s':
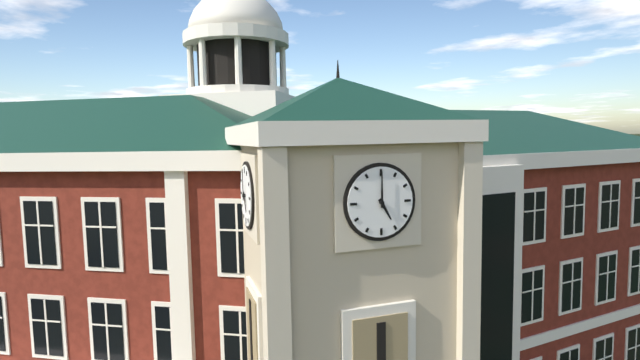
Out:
5 h 00 min
